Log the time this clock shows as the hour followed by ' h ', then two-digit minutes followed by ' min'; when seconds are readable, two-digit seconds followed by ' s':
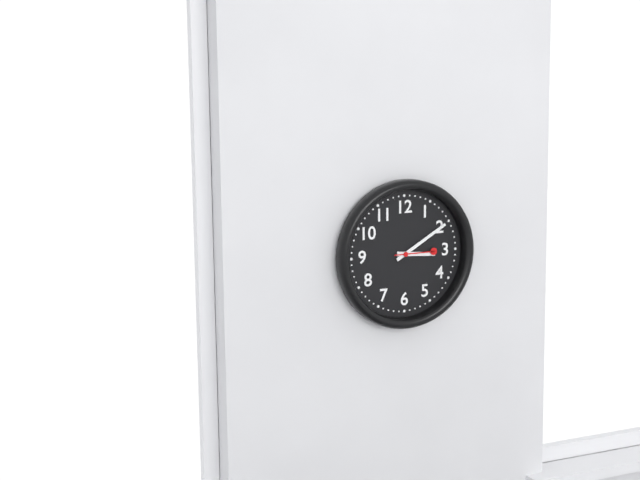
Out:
3 h 10 min
